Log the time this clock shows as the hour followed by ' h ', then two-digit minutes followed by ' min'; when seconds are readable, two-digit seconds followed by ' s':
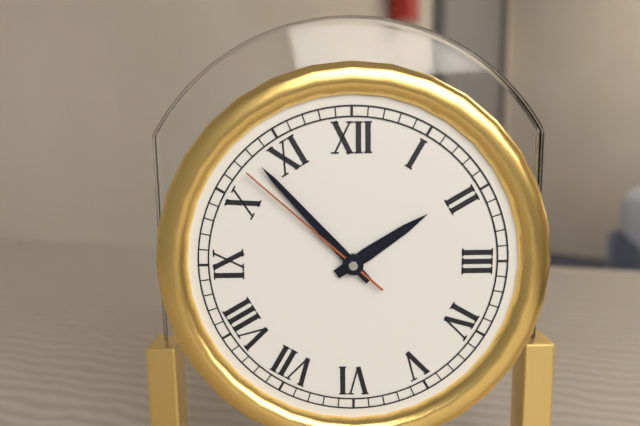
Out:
1 h 53 min 52 s
